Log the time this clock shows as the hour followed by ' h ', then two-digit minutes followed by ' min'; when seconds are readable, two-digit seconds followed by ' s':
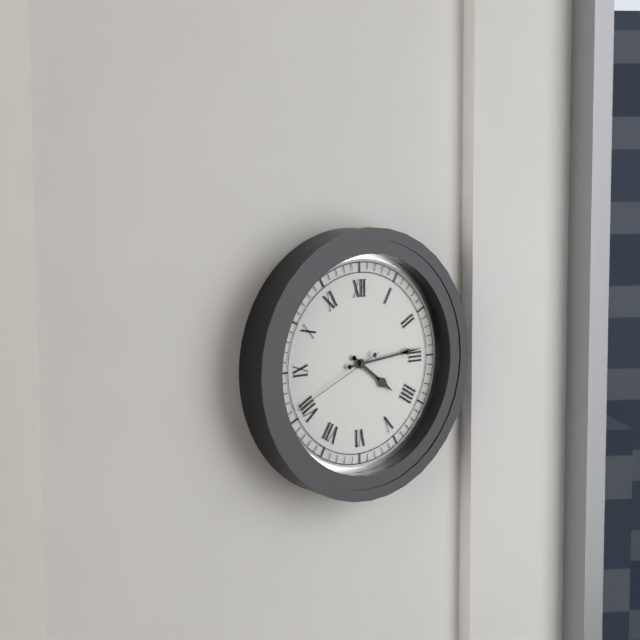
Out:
4 h 14 min 41 s
